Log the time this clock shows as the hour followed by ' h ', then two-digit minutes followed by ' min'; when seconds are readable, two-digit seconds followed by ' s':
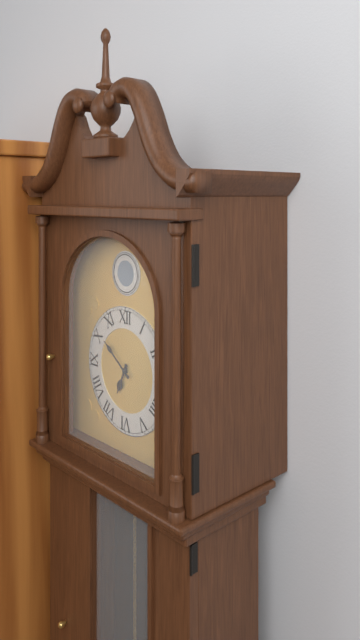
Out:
6 h 51 min
